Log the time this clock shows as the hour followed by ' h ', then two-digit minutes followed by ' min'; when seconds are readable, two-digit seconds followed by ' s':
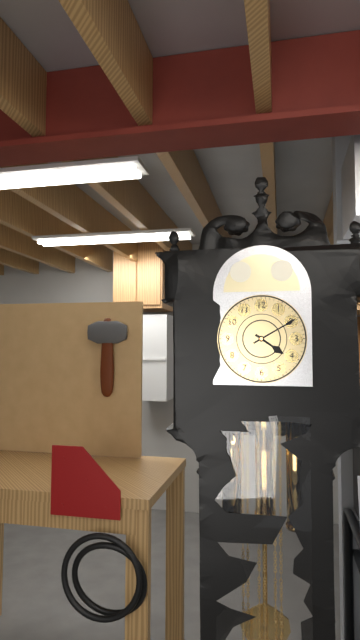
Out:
4 h 10 min
